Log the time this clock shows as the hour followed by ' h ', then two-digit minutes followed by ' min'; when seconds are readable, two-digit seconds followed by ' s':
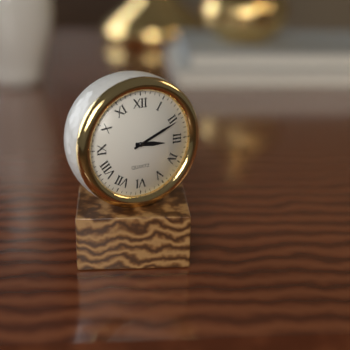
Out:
3 h 11 min
